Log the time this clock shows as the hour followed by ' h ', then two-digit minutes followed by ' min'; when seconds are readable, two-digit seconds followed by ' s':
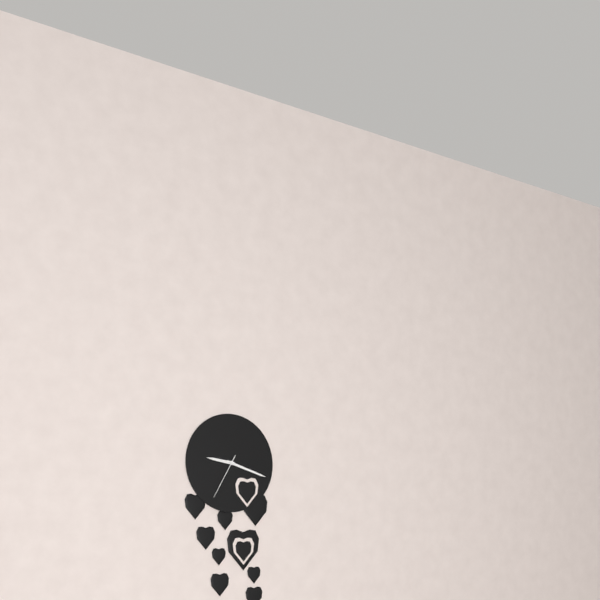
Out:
9 h 18 min
